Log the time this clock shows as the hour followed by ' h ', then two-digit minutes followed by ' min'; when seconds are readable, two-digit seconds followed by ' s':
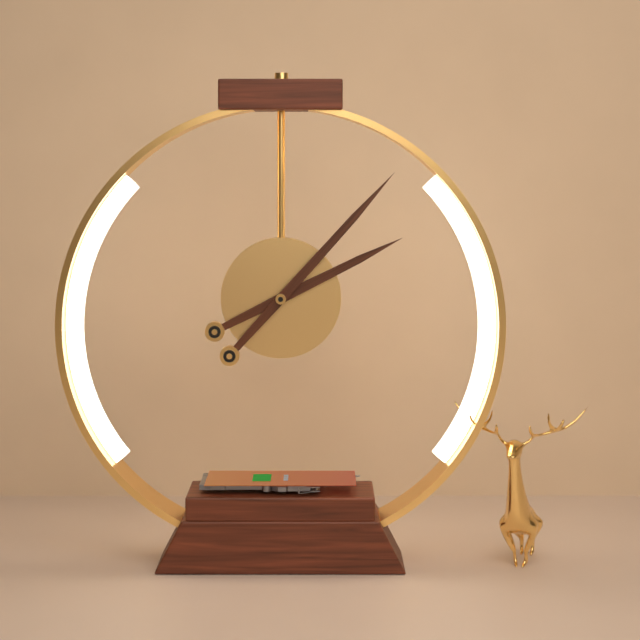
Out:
2 h 07 min
